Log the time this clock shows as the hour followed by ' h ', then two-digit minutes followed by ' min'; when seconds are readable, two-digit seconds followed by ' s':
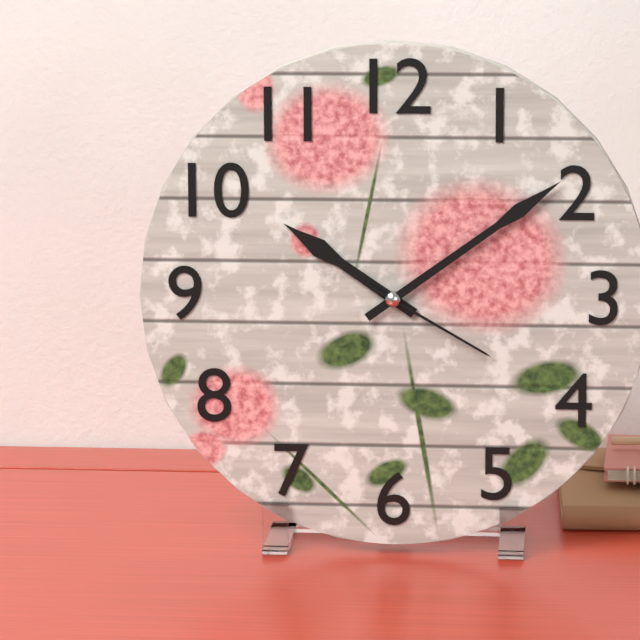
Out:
10 h 09 min 20 s
